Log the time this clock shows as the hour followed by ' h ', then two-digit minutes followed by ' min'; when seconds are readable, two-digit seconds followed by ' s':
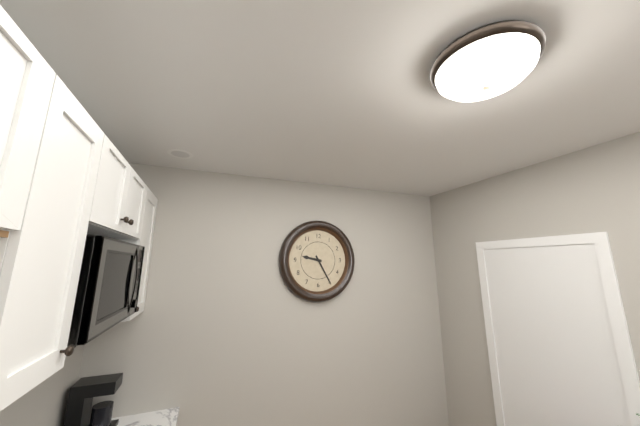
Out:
9 h 25 min
